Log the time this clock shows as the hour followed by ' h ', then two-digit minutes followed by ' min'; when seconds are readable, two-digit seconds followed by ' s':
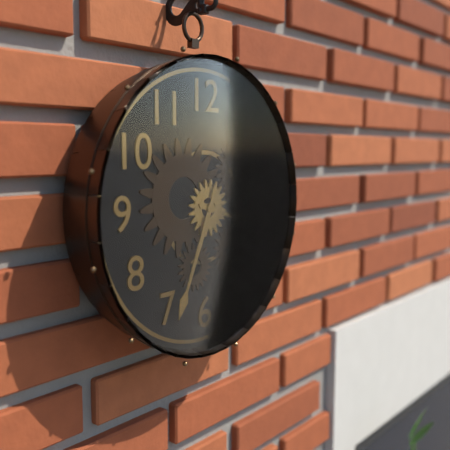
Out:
3 h 34 min
